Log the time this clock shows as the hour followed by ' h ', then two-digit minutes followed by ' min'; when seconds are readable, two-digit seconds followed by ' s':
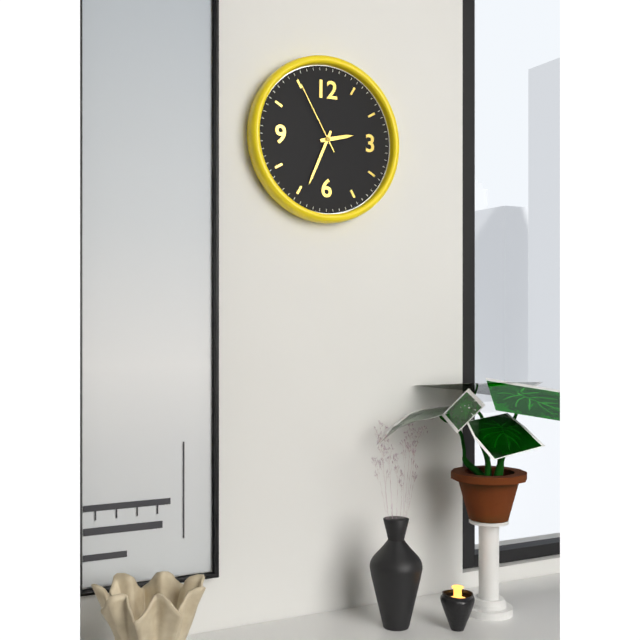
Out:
2 h 34 min 55 s
